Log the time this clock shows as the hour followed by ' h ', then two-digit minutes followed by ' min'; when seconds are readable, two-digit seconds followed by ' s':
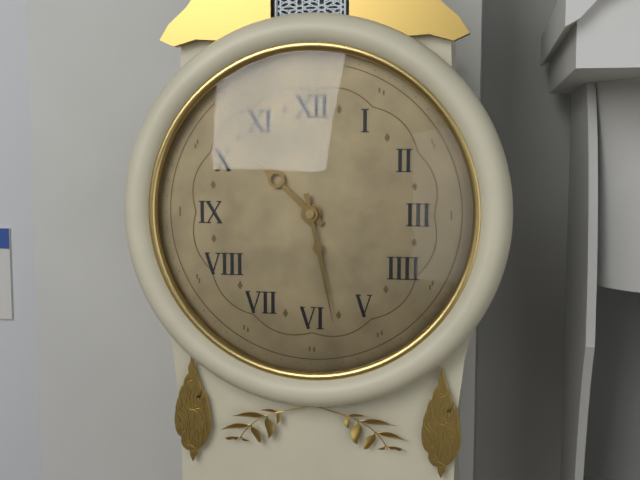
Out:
10 h 28 min
